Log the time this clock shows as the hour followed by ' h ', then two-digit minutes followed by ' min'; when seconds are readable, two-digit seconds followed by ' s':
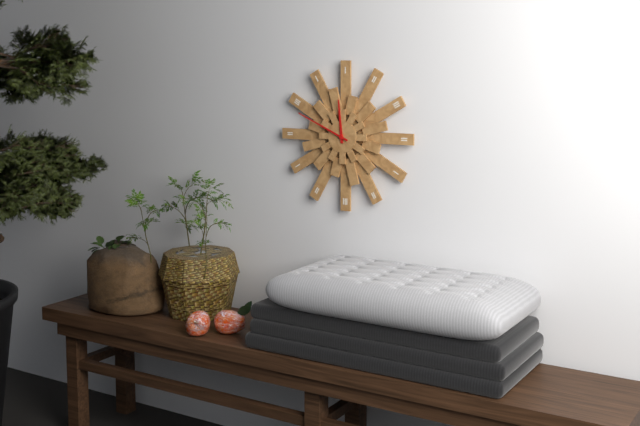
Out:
11 h 49 min
